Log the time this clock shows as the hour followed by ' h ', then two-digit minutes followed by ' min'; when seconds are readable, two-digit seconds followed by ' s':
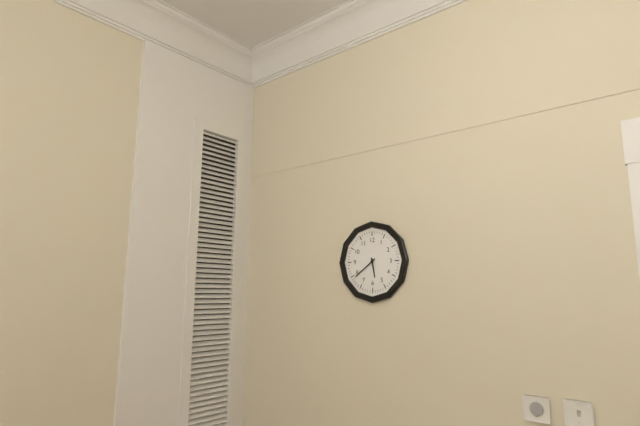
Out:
5 h 39 min
